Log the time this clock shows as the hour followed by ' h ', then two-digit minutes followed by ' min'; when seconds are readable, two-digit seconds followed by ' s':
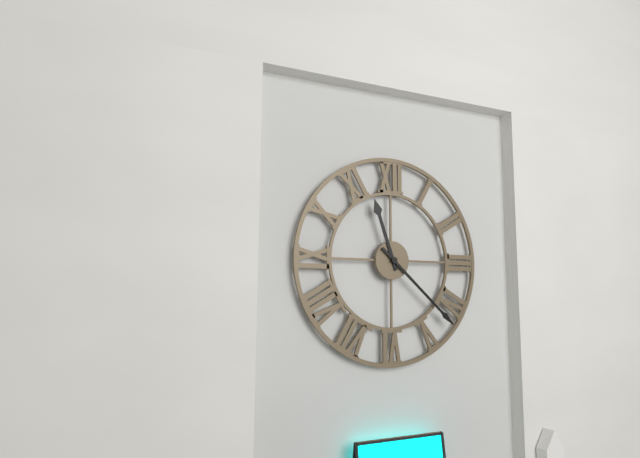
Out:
11 h 22 min
